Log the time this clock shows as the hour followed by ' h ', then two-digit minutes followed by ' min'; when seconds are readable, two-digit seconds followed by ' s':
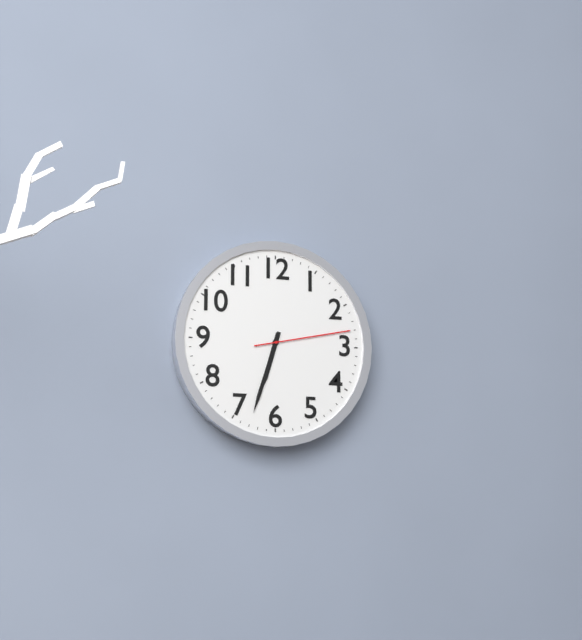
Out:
6 h 33 min 13 s
